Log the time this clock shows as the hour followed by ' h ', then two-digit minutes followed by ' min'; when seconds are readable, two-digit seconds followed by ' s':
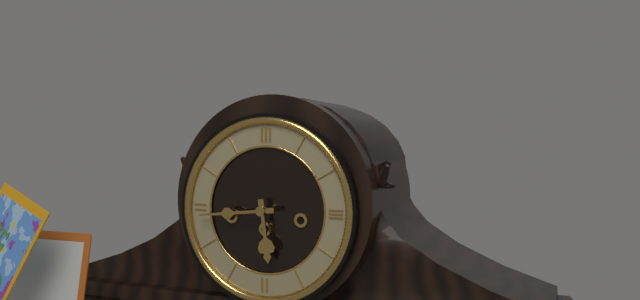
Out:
5 h 44 min
